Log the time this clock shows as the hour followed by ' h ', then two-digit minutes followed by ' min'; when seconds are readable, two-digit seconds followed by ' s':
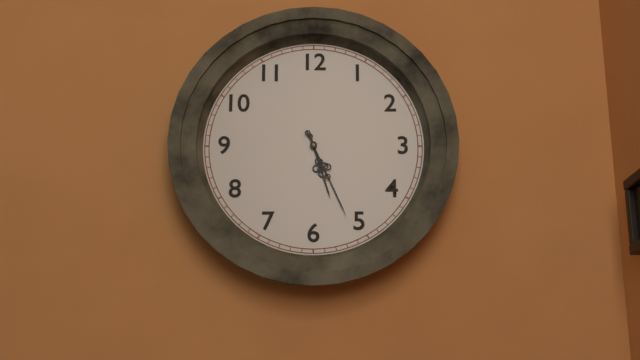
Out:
5 h 26 min
